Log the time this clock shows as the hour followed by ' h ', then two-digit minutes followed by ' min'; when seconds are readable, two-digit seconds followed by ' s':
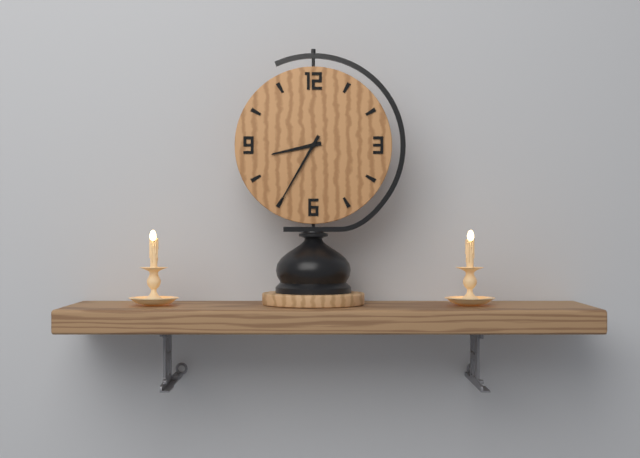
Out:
8 h 35 min
